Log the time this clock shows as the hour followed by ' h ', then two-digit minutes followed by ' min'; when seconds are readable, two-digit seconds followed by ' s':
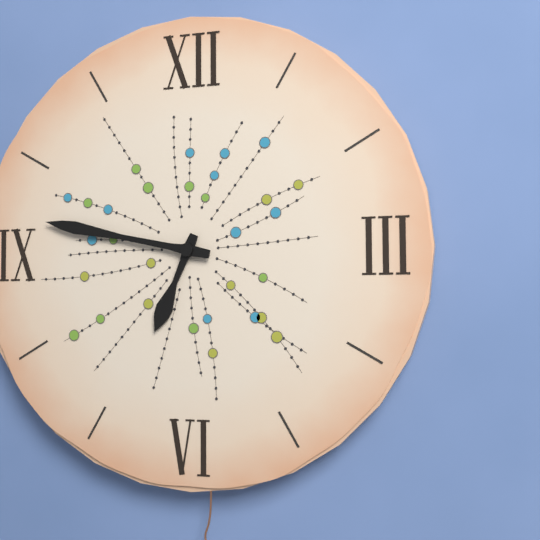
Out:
6 h 47 min
